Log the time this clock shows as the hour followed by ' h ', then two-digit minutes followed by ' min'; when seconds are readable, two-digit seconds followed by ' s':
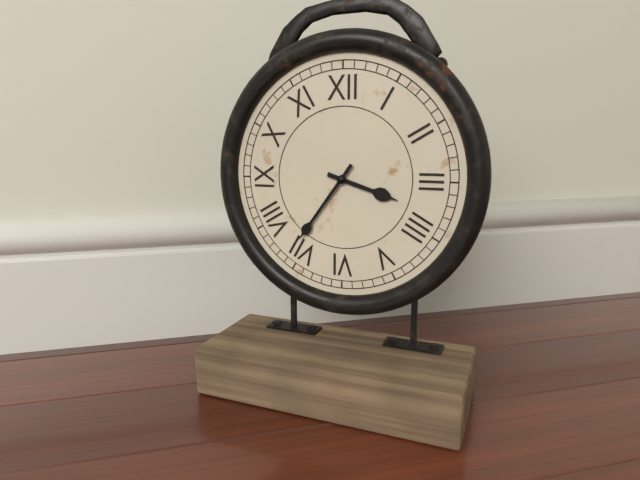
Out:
3 h 36 min
